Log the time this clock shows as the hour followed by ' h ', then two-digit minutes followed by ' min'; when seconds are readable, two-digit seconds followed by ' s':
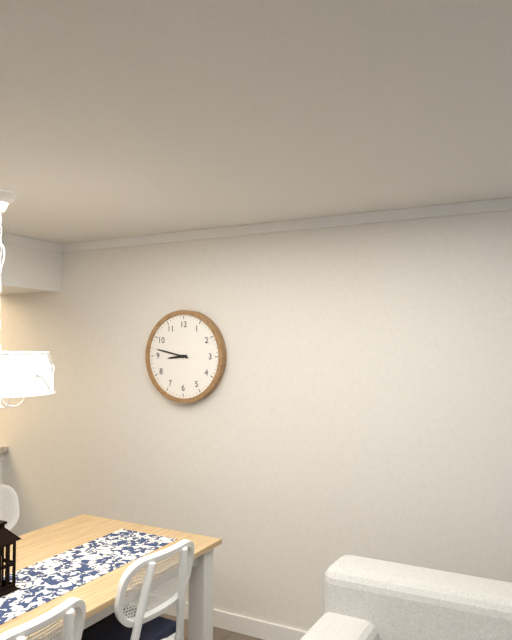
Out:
8 h 47 min
